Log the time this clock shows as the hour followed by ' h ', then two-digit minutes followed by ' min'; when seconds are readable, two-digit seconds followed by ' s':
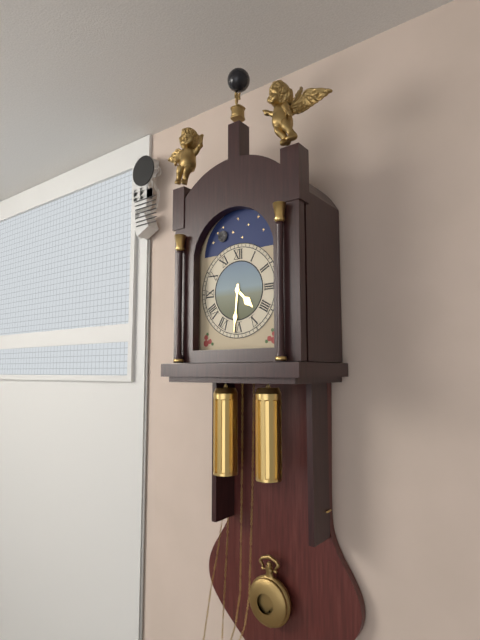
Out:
4 h 31 min
